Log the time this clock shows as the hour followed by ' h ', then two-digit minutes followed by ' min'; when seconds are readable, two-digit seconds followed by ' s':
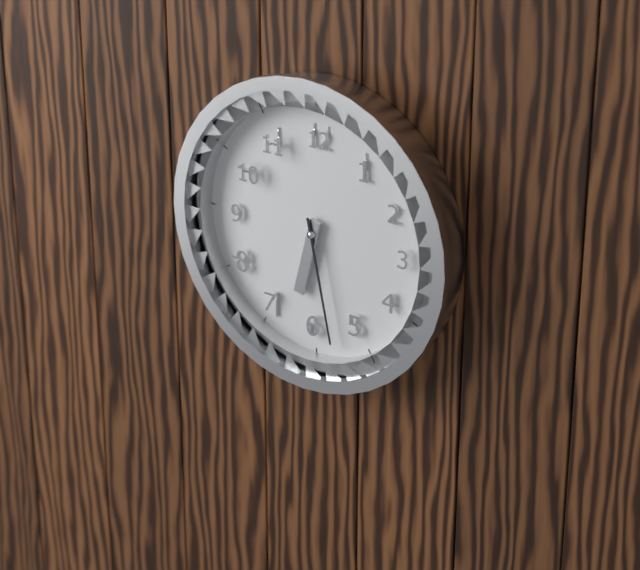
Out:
6 h 28 min
